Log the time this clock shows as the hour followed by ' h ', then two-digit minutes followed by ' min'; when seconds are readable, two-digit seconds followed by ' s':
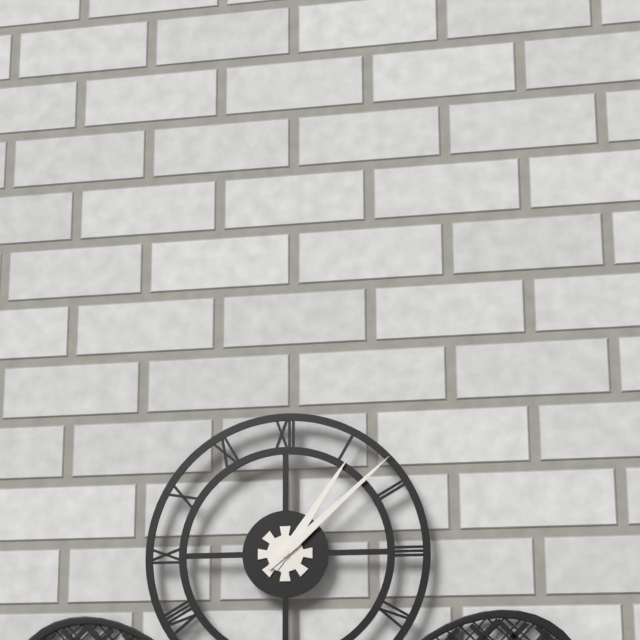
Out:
1 h 08 min
